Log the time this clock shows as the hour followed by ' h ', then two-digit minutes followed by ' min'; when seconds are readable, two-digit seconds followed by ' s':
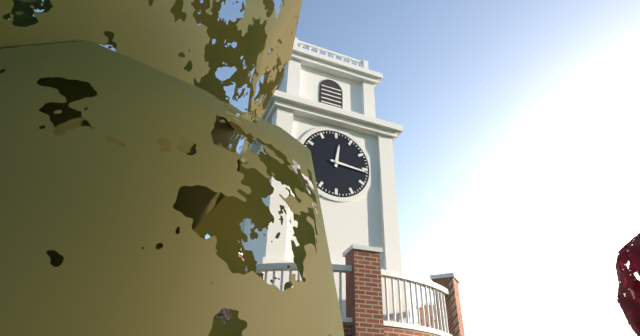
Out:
12 h 16 min
